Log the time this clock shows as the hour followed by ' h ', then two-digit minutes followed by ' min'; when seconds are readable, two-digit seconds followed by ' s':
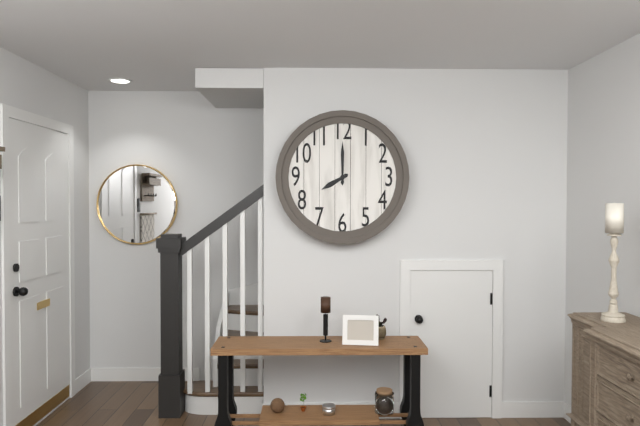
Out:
8 h 00 min
